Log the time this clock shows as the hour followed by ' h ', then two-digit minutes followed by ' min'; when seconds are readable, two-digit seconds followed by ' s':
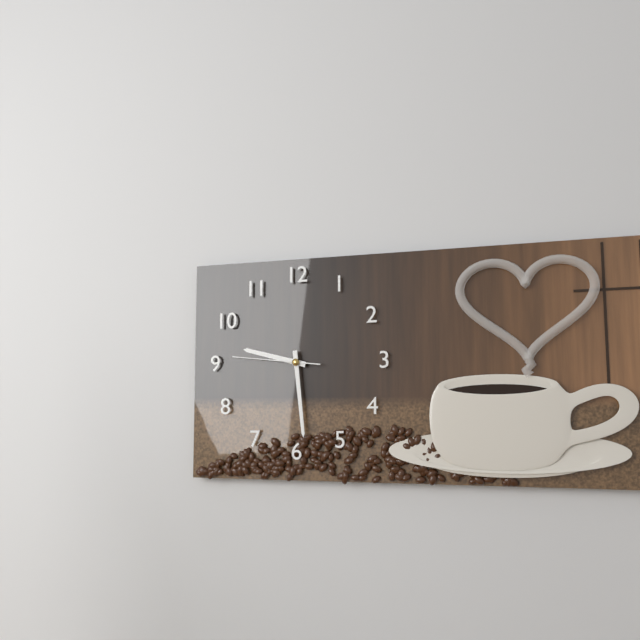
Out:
9 h 29 min 46 s
